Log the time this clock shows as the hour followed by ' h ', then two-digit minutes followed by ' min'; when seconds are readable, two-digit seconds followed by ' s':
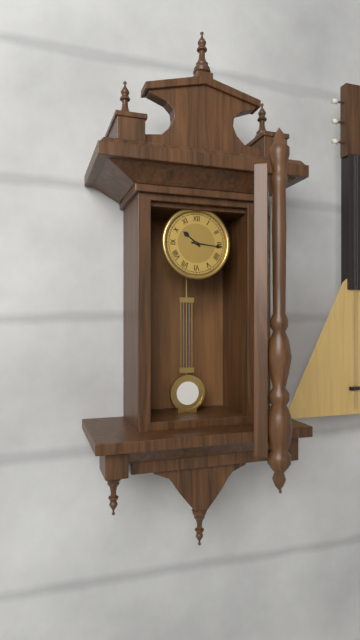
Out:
10 h 16 min
